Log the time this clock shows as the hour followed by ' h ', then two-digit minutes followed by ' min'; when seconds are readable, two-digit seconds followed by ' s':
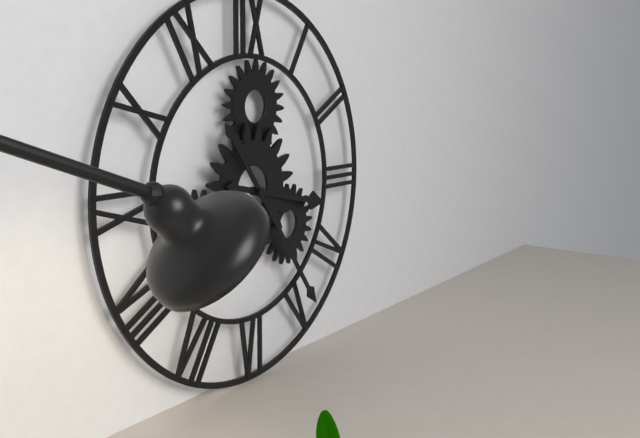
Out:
3 h 24 min
